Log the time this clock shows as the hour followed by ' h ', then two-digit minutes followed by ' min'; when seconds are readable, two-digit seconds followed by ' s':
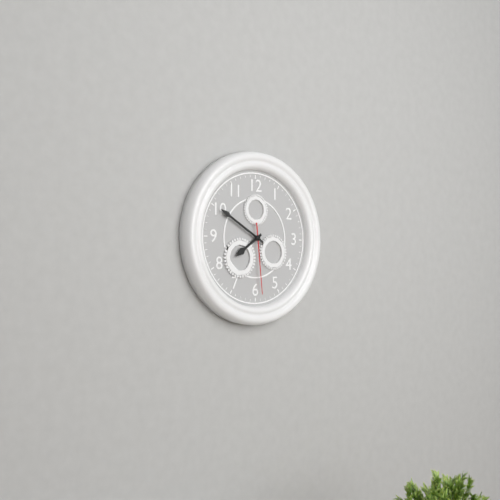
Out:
7 h 50 min 29 s
